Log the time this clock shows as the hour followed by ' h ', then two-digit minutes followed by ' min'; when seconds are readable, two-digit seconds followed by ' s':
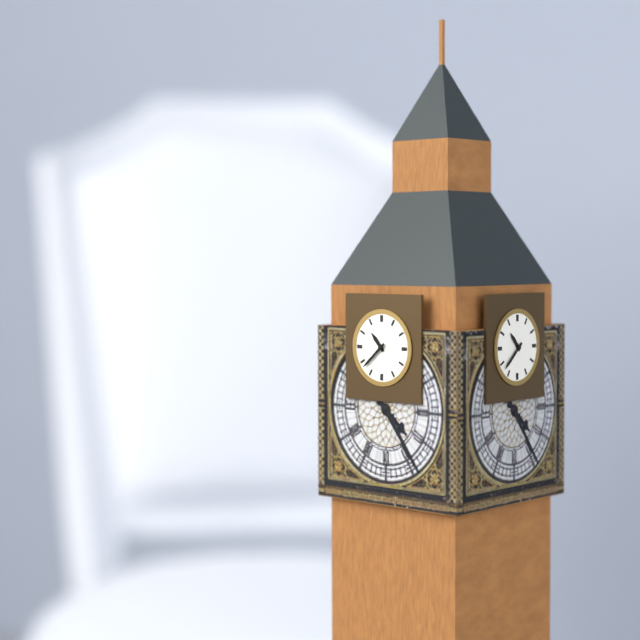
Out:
10 h 38 min
